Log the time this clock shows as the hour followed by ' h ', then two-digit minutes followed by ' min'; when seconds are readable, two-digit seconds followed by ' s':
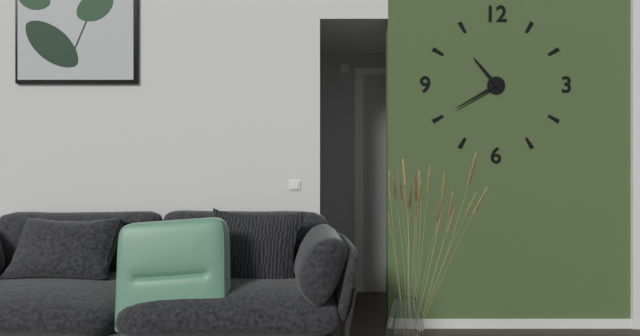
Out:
10 h 40 min
